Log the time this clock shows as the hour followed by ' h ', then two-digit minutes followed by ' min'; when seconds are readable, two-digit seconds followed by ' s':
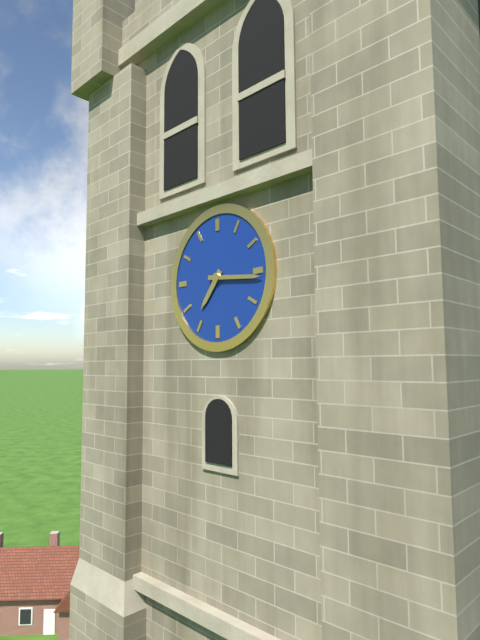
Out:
7 h 16 min
